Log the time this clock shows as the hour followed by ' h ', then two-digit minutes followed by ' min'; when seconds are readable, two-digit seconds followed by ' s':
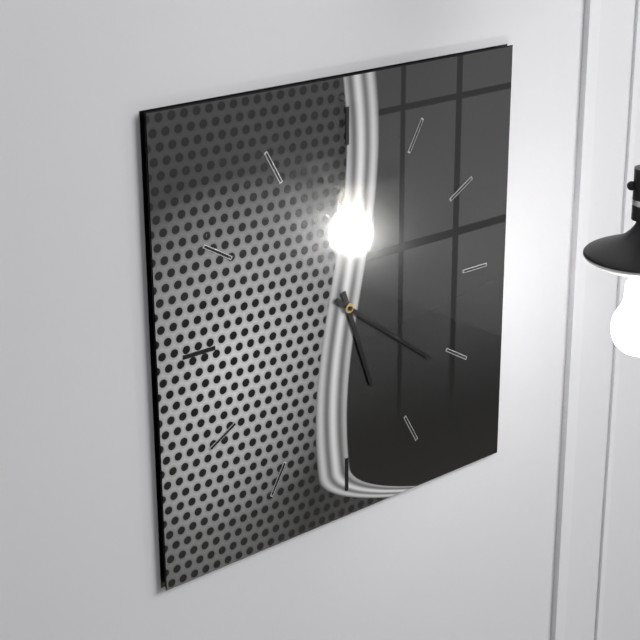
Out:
5 h 21 min
